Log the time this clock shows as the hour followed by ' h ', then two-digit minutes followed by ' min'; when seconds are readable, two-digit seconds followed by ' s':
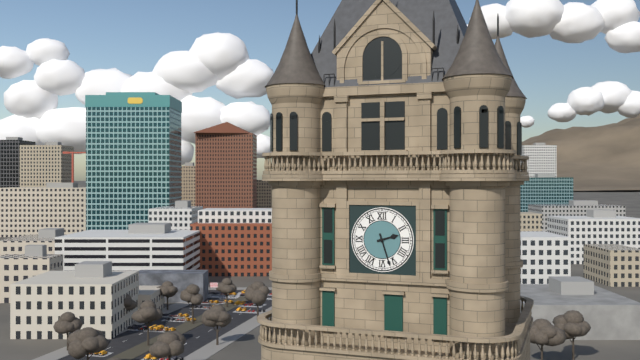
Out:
2 h 27 min
